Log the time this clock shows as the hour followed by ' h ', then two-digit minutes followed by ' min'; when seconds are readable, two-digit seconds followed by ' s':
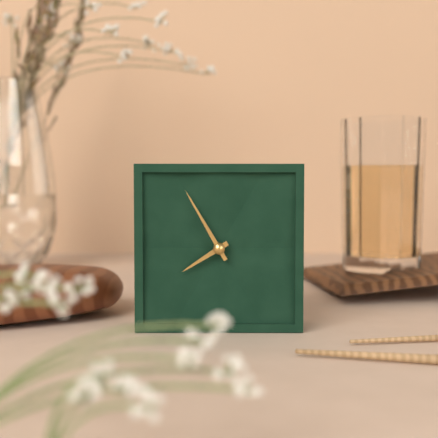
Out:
7 h 55 min
